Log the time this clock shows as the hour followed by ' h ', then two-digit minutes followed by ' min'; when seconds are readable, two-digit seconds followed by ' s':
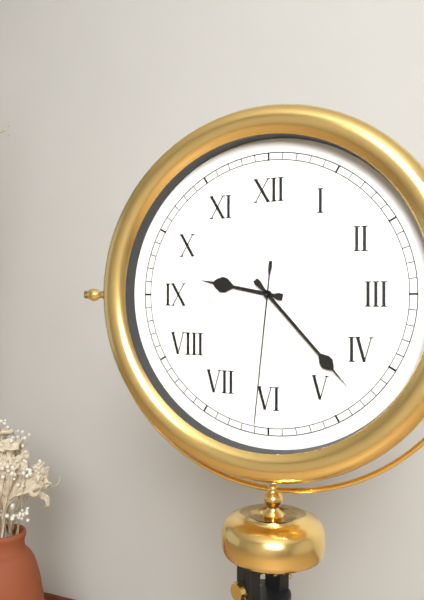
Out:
9 h 23 min 31 s
